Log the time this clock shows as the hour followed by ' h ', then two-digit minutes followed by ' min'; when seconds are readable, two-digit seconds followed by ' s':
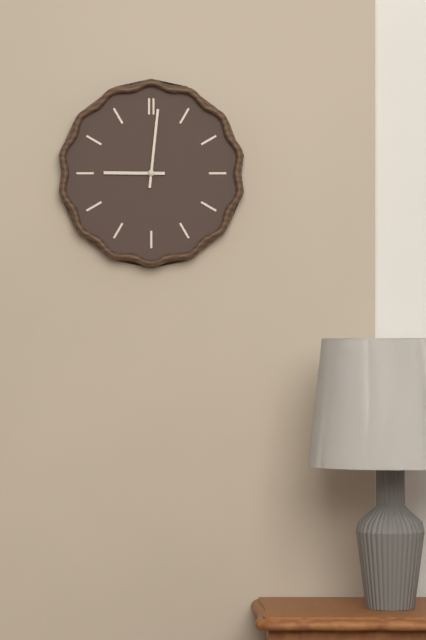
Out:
9 h 01 min
